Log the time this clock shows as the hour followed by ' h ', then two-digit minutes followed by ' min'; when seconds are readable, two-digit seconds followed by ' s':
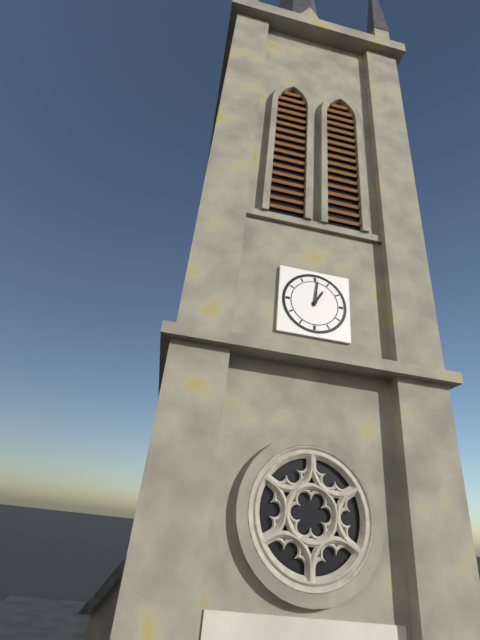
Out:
1 h 01 min
